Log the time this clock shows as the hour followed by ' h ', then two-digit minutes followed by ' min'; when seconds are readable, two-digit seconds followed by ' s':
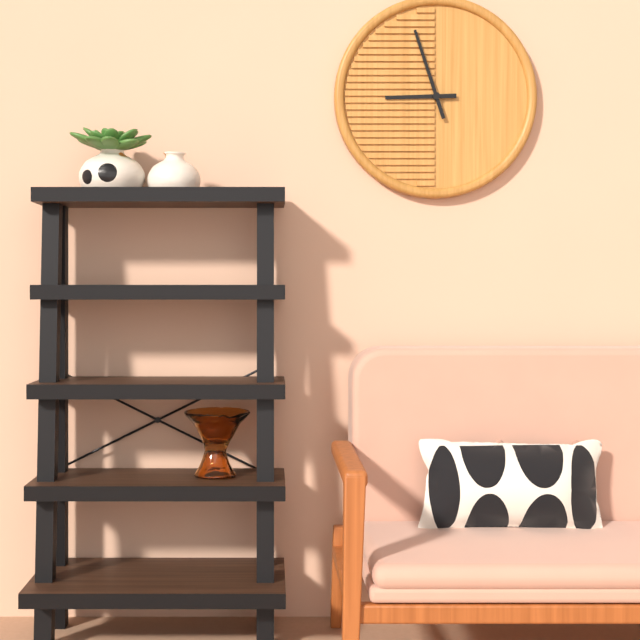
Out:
8 h 57 min
